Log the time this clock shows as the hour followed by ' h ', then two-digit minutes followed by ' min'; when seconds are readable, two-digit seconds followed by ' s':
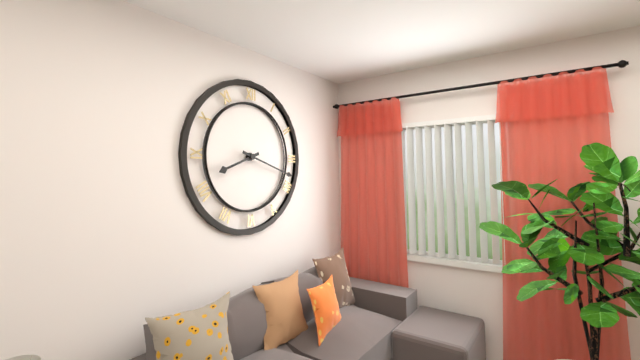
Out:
8 h 18 min
